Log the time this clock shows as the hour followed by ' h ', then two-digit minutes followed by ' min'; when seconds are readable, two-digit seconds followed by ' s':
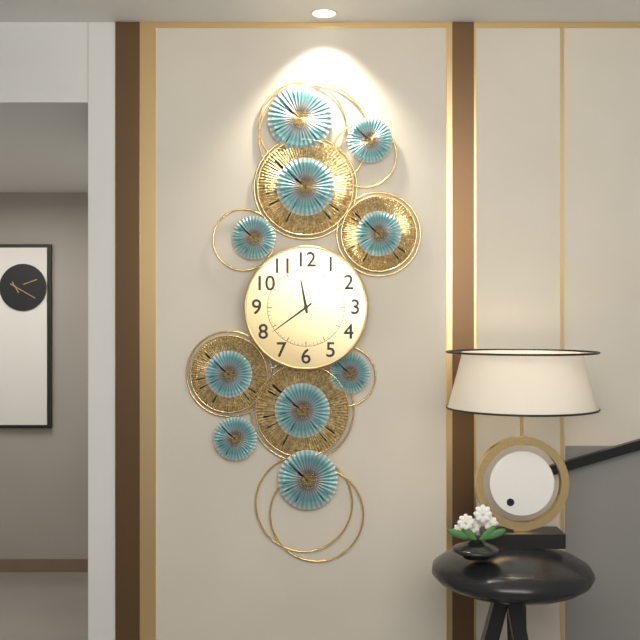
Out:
11 h 39 min
